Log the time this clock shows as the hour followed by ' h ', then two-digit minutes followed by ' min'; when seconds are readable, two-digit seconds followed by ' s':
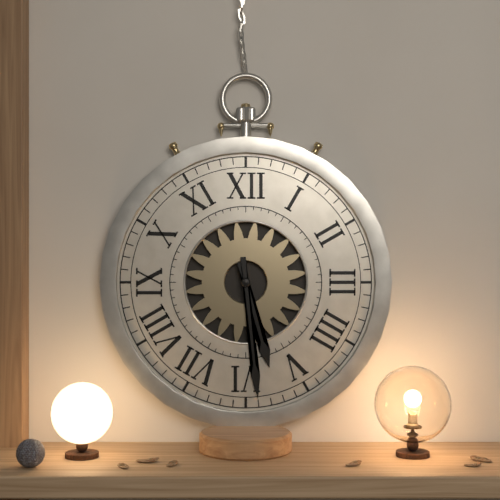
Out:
5 h 29 min
